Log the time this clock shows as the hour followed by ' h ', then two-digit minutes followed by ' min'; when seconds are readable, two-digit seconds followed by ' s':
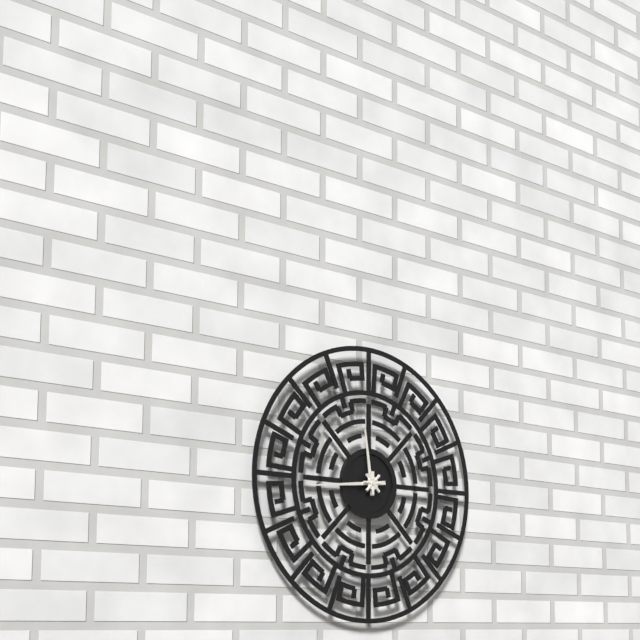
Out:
11 h 44 min
